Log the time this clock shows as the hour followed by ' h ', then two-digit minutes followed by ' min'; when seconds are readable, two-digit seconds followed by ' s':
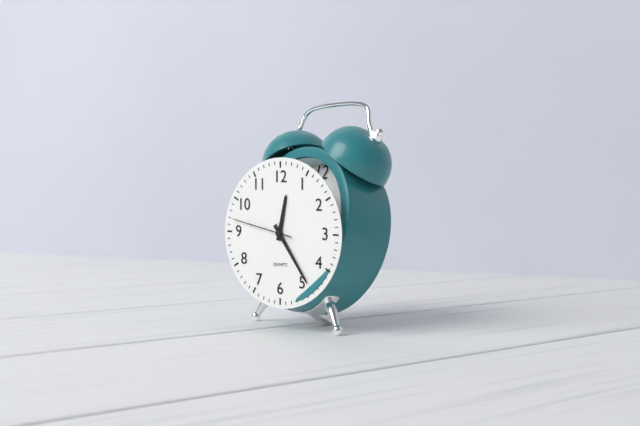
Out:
12 h 24 min 47 s
